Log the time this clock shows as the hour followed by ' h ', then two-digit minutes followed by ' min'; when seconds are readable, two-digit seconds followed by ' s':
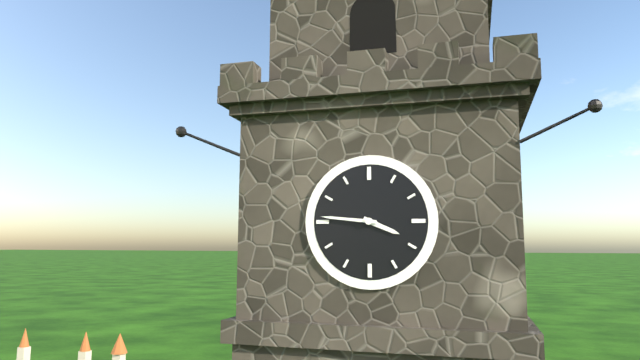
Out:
3 h 46 min
